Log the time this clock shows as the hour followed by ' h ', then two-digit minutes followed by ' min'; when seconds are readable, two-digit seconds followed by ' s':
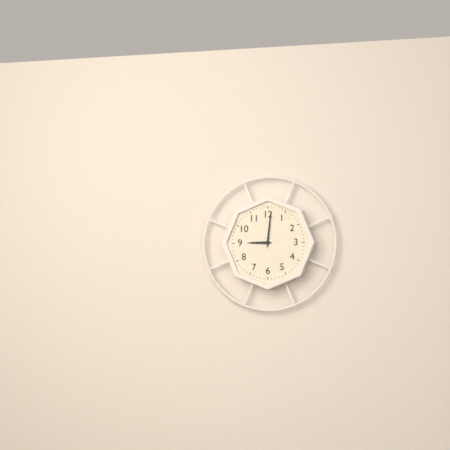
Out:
9 h 01 min
